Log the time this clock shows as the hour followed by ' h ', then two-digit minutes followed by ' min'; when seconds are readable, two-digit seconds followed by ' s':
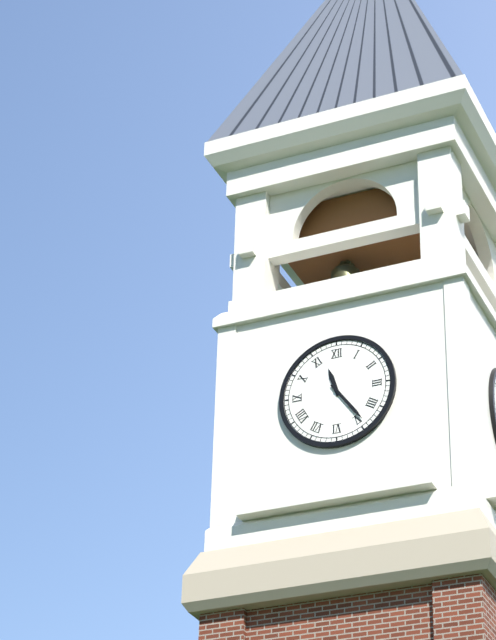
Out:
11 h 24 min
